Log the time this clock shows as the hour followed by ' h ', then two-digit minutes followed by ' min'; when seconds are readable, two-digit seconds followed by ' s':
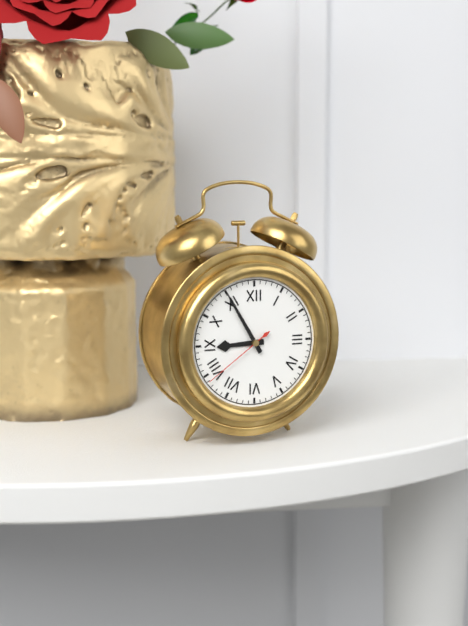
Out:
8 h 55 min 39 s
